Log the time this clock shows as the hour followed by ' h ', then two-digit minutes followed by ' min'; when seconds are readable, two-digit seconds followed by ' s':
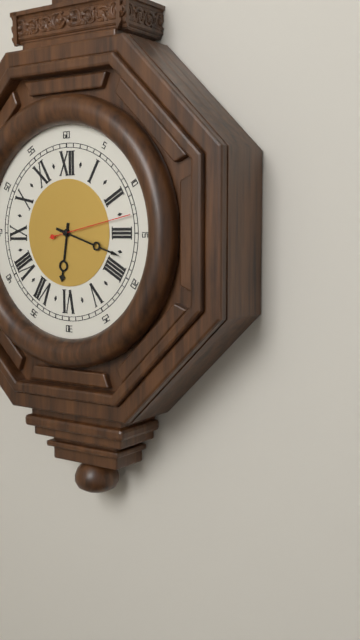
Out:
6 h 18 min
